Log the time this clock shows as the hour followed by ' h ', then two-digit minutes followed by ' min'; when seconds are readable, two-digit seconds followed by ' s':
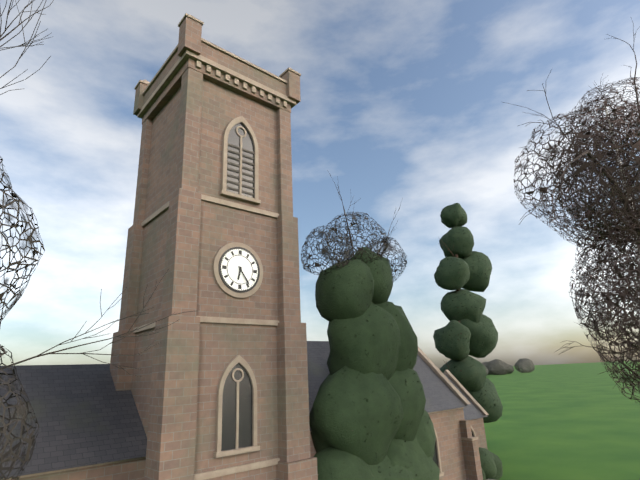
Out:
6 h 24 min
